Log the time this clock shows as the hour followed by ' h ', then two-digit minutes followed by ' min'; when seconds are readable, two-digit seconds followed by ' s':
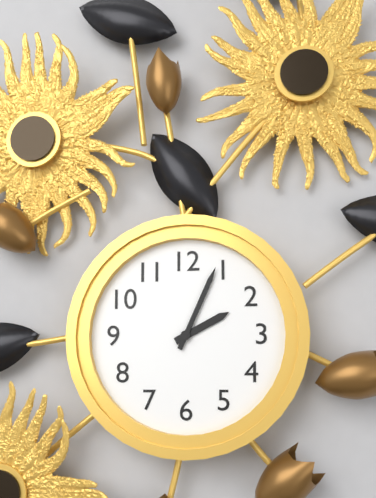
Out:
2 h 04 min
